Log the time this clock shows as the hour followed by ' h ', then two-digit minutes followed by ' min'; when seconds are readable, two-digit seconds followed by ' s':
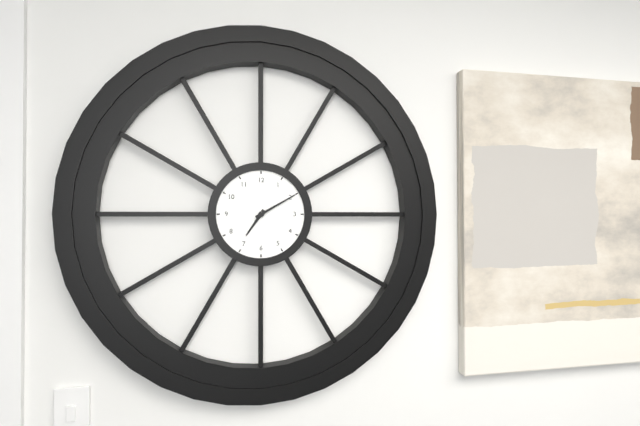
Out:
7 h 10 min
